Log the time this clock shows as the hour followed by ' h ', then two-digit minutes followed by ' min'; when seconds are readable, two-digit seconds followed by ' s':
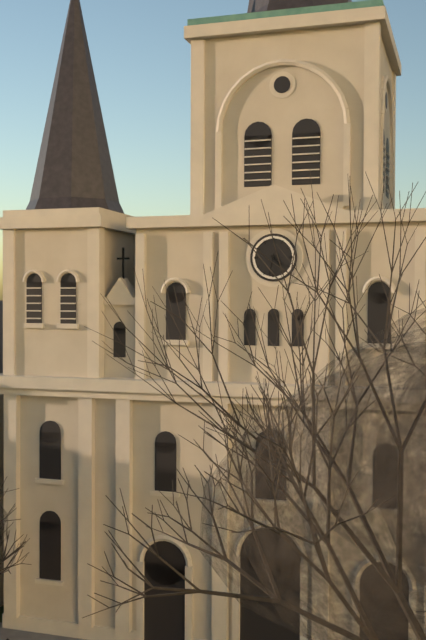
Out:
4 h 32 min
